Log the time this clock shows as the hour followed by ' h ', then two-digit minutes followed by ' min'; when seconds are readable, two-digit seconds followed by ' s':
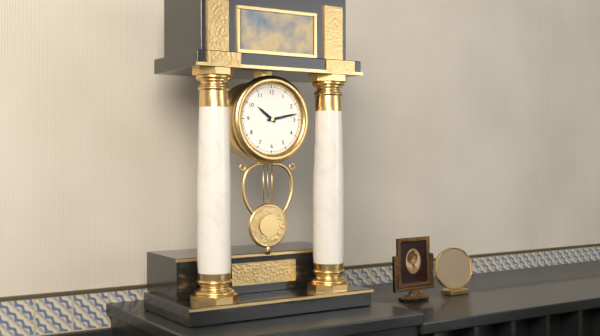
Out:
10 h 13 min
